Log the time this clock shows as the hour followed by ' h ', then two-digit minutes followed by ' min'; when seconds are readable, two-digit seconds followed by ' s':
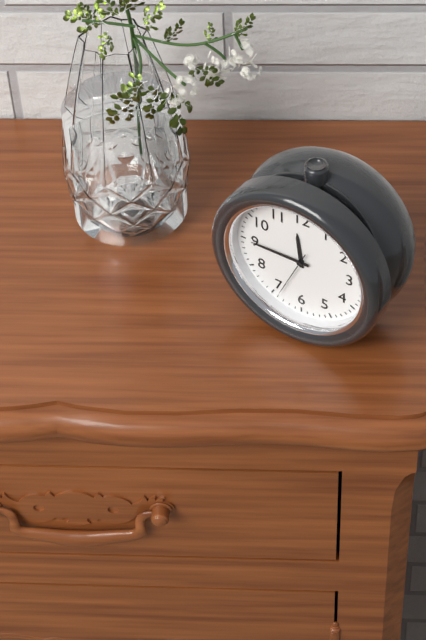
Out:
11 h 45 min 34 s
